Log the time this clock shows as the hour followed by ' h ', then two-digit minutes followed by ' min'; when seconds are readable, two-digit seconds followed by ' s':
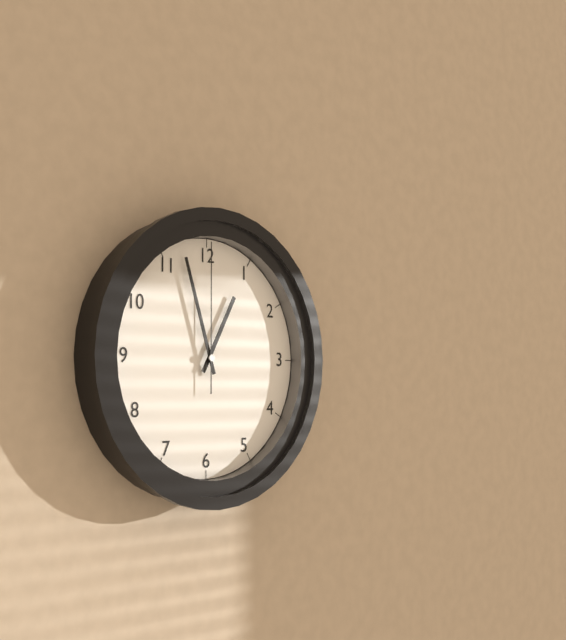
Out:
12 h 57 min 00 s
